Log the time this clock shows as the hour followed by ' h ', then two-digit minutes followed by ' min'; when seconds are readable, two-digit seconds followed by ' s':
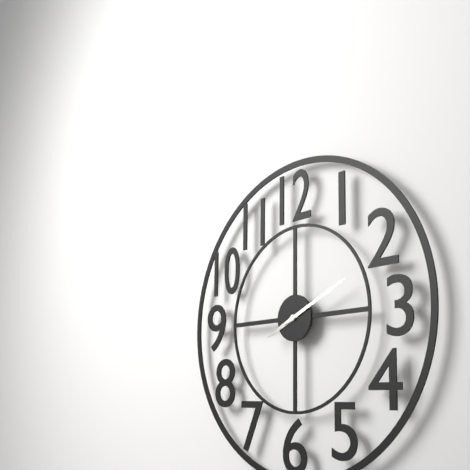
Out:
8 h 11 min
